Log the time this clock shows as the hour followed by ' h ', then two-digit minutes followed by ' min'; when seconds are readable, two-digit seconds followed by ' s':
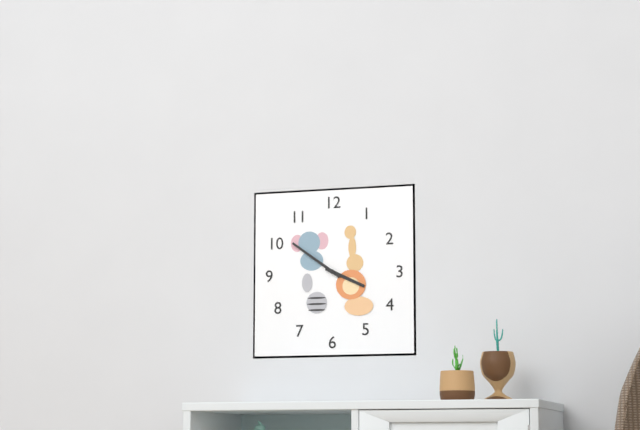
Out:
3 h 51 min
